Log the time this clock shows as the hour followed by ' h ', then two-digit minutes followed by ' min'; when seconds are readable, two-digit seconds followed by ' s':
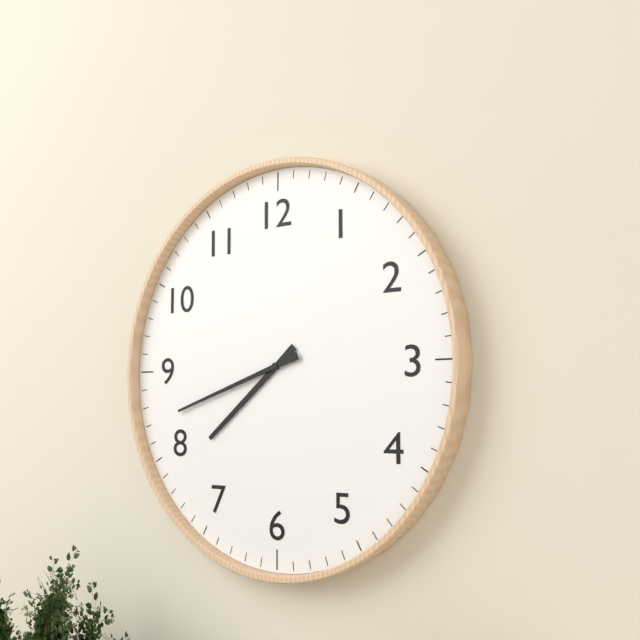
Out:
7 h 42 min
